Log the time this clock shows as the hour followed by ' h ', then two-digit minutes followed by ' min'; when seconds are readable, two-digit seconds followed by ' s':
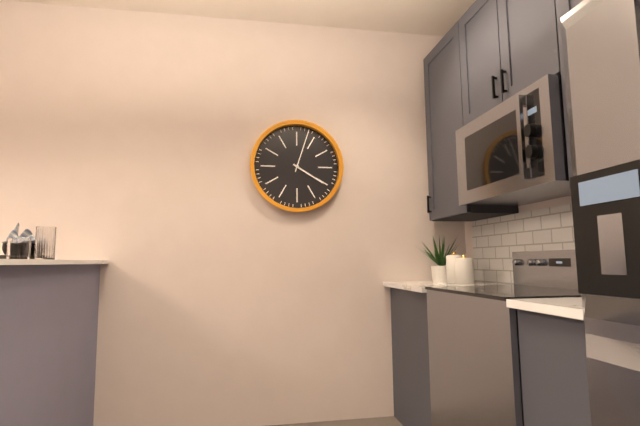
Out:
4 h 03 min
